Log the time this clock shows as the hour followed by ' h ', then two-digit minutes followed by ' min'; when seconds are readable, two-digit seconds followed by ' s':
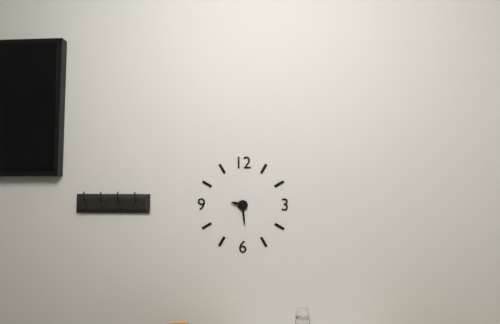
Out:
9 h 29 min
